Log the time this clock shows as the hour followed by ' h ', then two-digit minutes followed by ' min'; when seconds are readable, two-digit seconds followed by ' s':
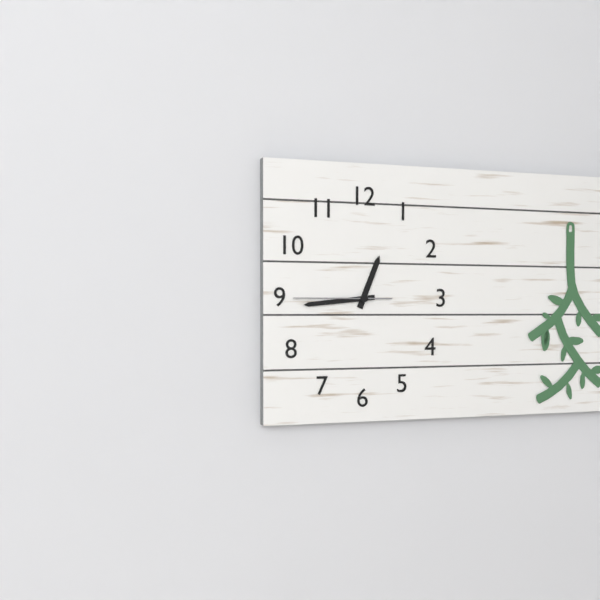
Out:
12 h 44 min 45 s
